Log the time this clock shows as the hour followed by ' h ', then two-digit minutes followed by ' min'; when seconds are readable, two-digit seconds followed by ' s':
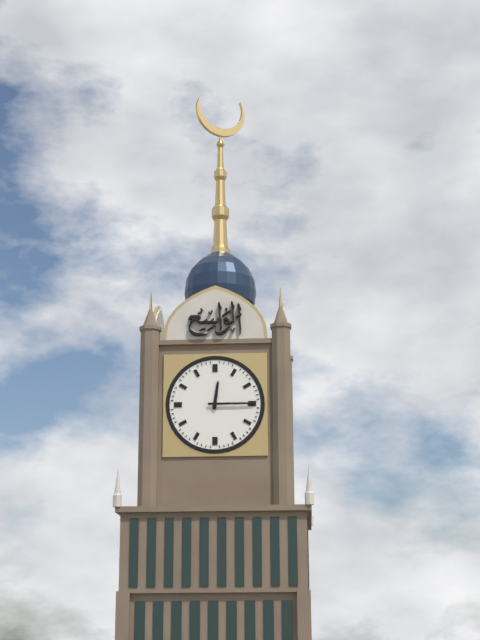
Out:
12 h 15 min
